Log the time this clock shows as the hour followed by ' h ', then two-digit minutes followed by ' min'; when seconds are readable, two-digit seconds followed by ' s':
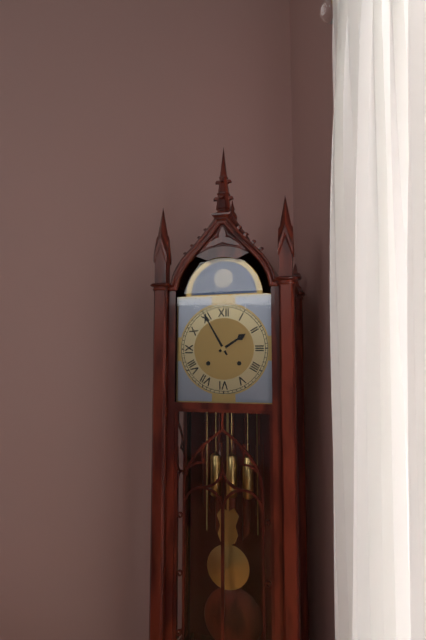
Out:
1 h 55 min
